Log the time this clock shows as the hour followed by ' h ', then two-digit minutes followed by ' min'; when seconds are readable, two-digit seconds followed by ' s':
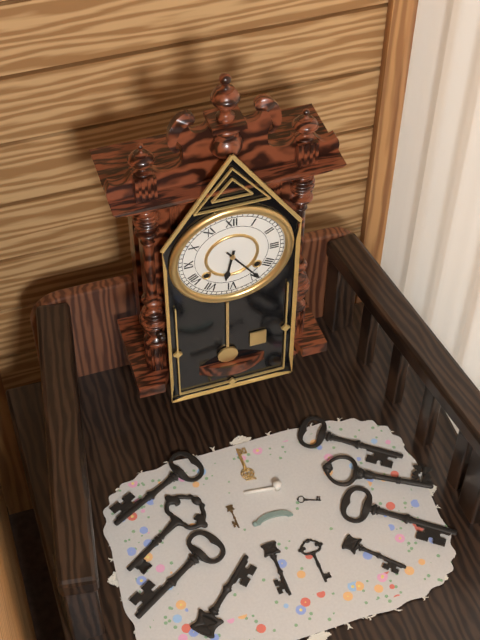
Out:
6 h 24 min
